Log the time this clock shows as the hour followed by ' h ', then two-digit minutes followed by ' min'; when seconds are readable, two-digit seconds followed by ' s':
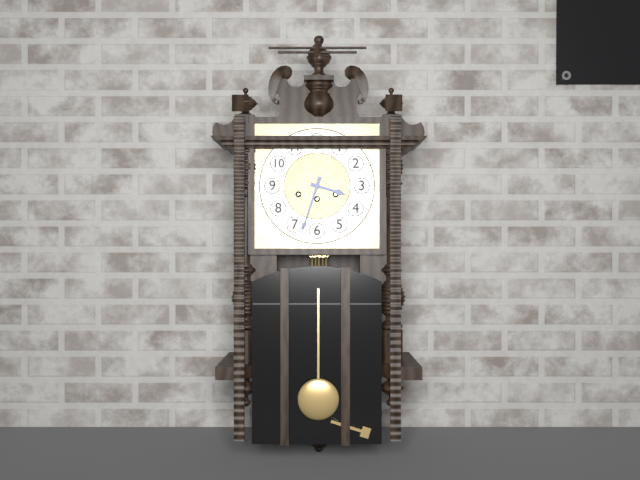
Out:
3 h 33 min
